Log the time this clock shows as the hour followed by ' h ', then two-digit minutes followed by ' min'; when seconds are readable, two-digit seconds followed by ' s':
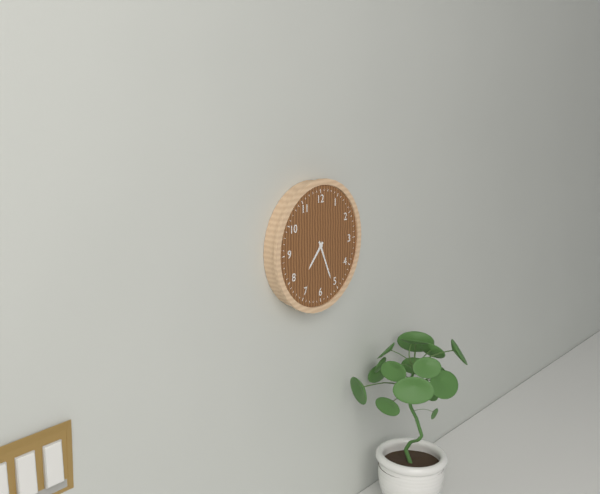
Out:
7 h 26 min
